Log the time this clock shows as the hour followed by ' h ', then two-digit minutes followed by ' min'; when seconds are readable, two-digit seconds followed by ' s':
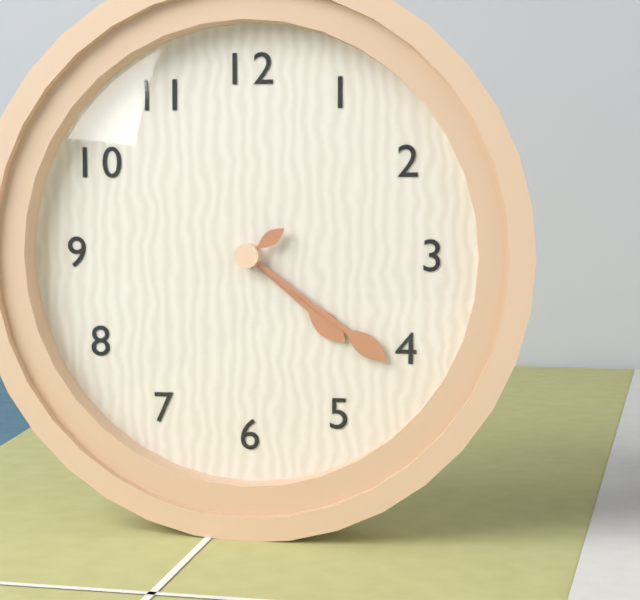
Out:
4 h 21 min 09 s
